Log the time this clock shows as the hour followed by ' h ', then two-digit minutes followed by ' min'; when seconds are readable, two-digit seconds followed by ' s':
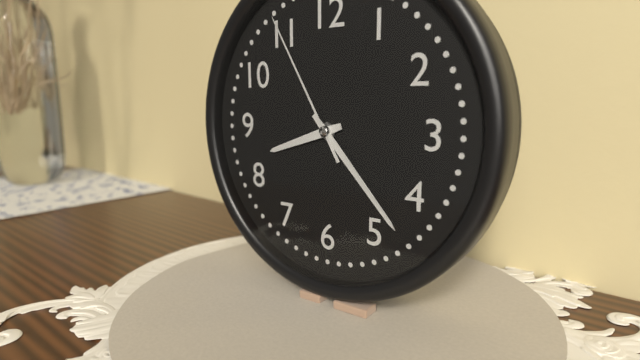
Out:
8 h 23 min 55 s
